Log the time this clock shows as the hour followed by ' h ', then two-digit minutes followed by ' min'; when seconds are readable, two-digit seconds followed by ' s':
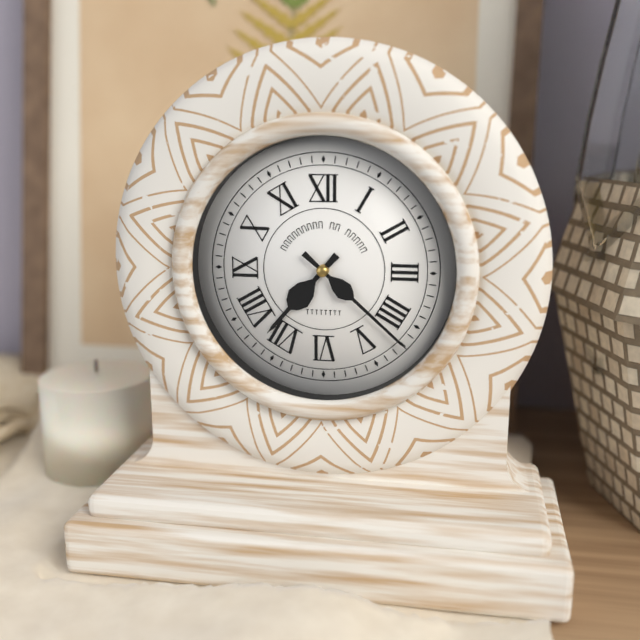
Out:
7 h 22 min
